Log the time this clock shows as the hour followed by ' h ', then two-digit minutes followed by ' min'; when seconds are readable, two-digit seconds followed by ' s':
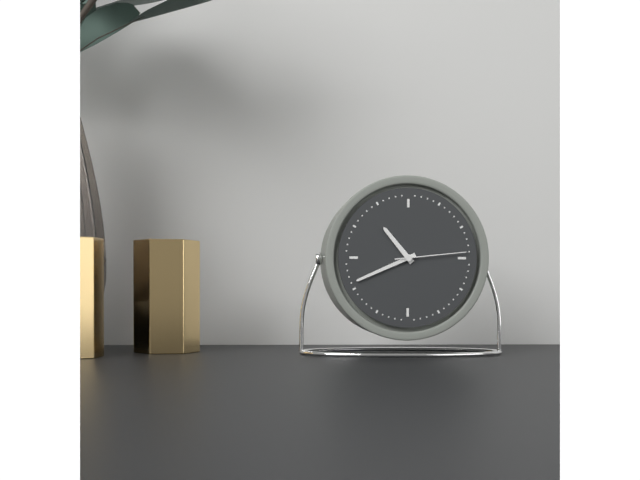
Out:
10 h 41 min 14 s
